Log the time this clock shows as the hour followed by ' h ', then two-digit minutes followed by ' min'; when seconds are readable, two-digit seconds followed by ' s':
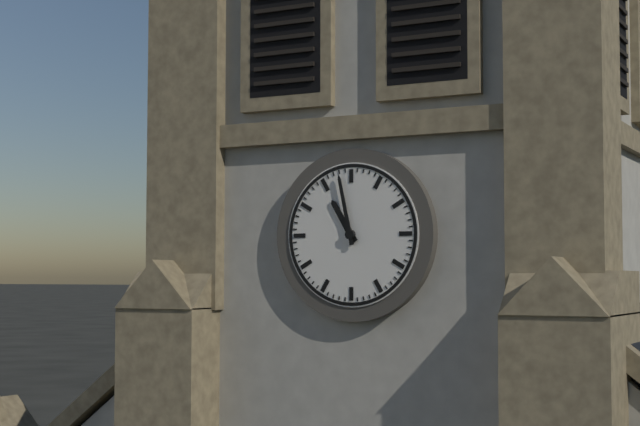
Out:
10 h 58 min
